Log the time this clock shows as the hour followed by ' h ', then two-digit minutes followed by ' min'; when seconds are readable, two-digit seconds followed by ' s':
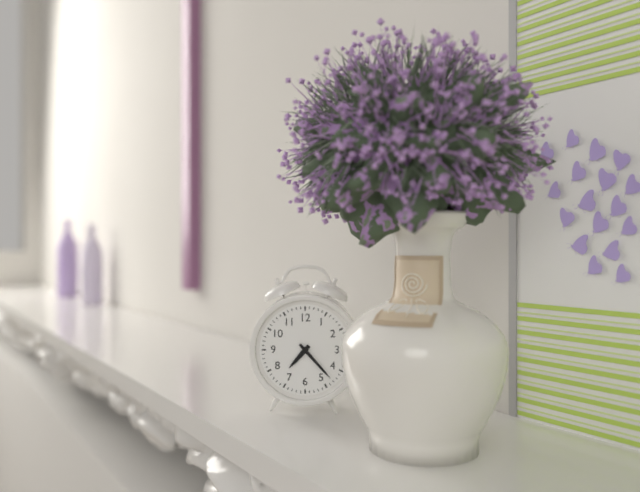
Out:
7 h 23 min
